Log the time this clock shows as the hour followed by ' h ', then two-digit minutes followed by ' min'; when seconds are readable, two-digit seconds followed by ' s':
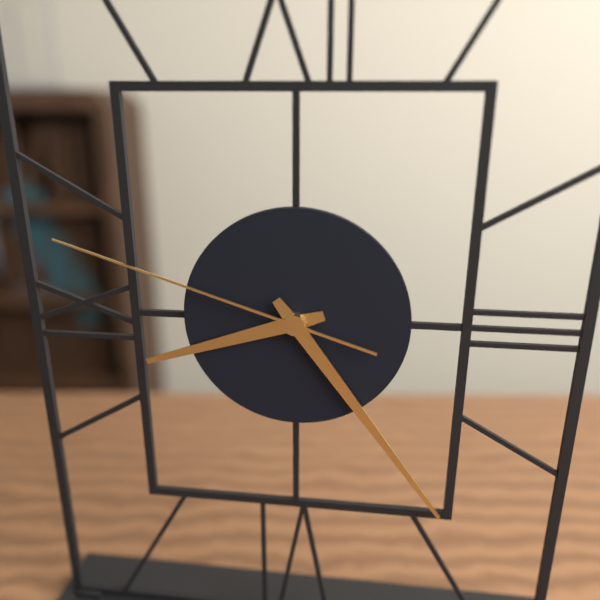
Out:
8 h 24 min 48 s
